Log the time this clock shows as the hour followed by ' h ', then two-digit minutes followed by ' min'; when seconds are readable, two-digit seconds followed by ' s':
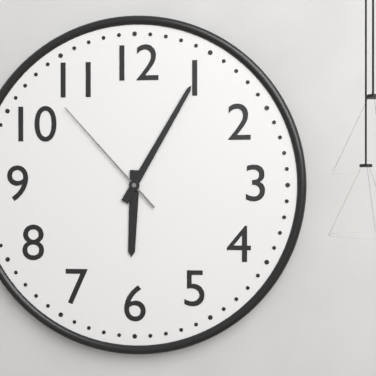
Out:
6 h 05 min 53 s
